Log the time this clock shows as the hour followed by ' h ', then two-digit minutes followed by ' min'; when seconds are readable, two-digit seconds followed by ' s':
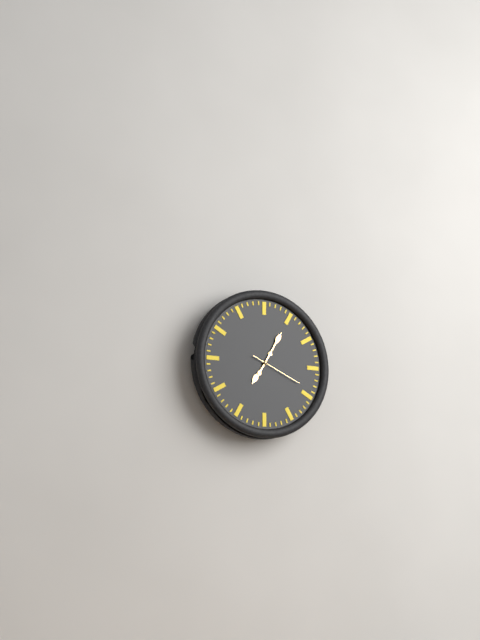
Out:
7 h 05 min 19 s
